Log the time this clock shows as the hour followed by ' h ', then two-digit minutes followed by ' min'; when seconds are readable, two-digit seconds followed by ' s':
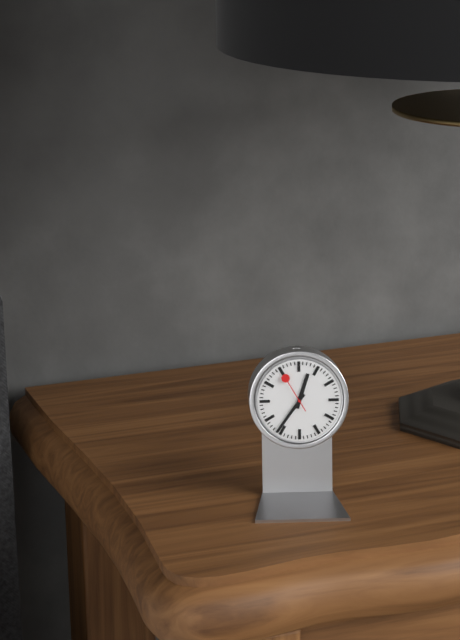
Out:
12 h 36 min
